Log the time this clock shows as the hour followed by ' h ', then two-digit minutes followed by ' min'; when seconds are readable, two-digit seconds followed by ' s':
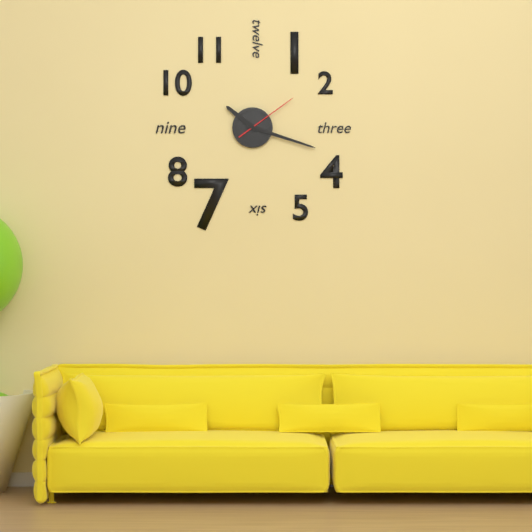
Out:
10 h 18 min 09 s
